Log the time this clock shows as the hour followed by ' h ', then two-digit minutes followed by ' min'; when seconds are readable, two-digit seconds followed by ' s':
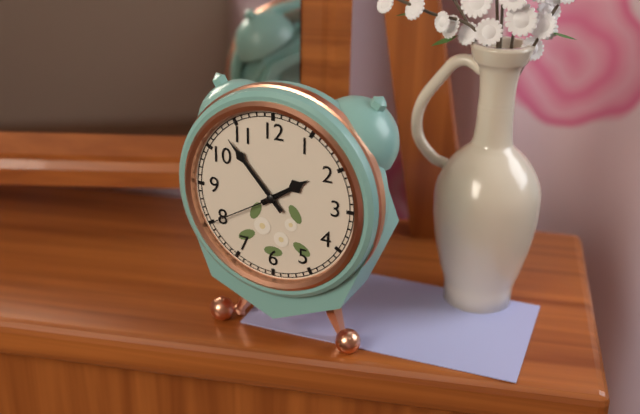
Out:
1 h 53 min 40 s
